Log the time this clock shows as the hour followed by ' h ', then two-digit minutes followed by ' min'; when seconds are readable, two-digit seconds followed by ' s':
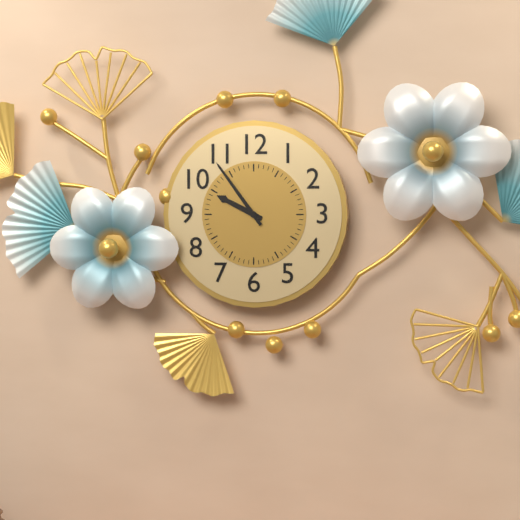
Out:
9 h 54 min
